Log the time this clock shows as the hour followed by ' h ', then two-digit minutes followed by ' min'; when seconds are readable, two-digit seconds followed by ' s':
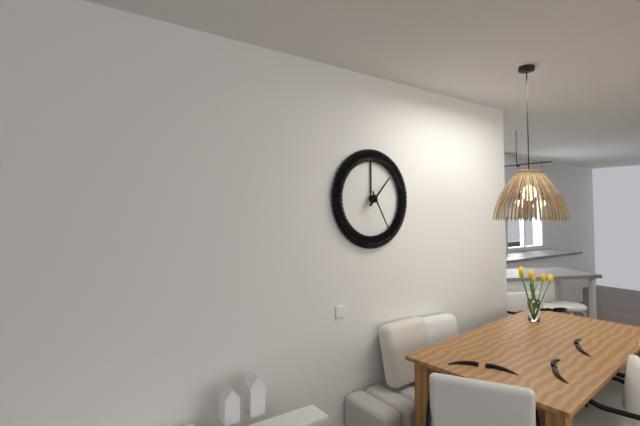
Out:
1 h 25 min
